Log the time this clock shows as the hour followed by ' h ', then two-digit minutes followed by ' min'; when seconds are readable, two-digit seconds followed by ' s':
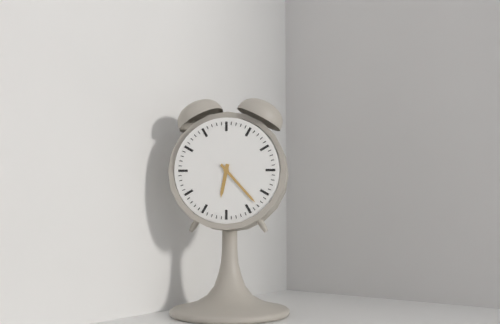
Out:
6 h 23 min
